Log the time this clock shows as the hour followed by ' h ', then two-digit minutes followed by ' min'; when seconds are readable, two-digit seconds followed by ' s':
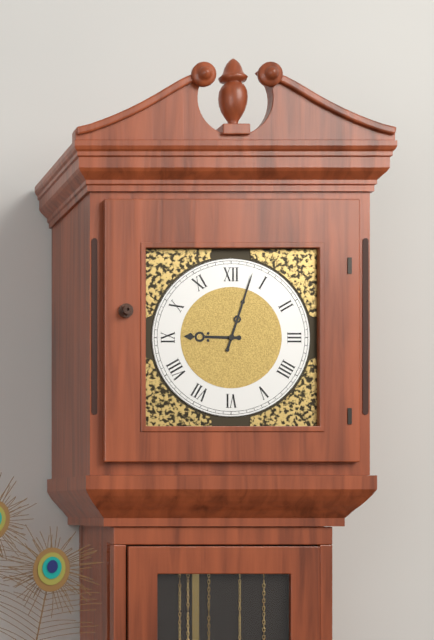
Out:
9 h 03 min
